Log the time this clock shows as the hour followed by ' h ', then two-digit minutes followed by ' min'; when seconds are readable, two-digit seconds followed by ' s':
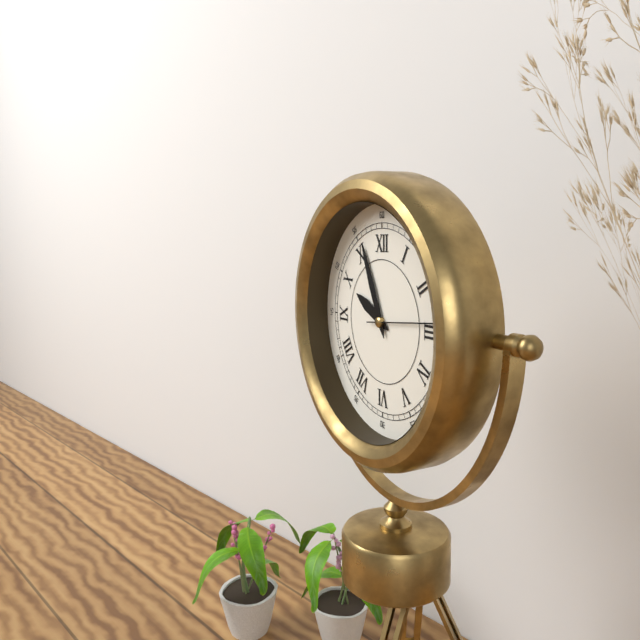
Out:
9 h 56 min 14 s
